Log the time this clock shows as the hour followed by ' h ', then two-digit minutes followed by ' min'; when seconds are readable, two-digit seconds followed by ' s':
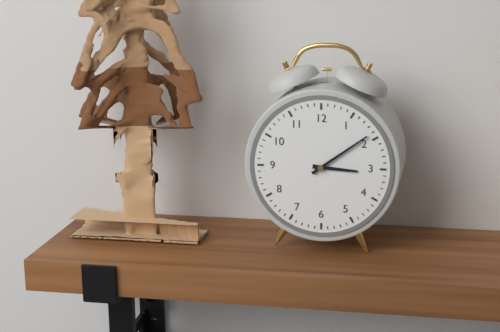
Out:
3 h 09 min
